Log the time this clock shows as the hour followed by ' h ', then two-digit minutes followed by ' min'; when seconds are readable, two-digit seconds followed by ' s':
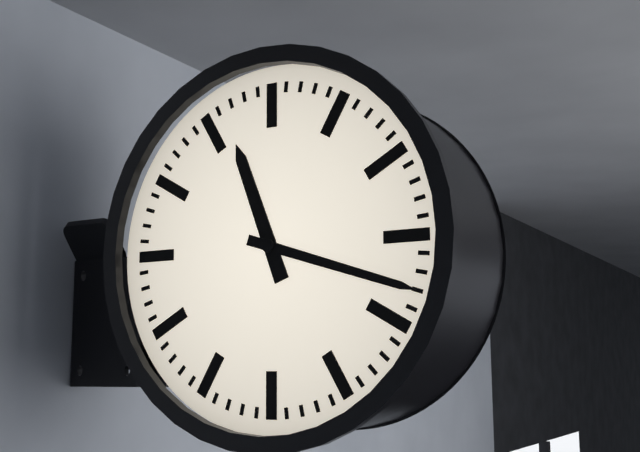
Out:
11 h 18 min
